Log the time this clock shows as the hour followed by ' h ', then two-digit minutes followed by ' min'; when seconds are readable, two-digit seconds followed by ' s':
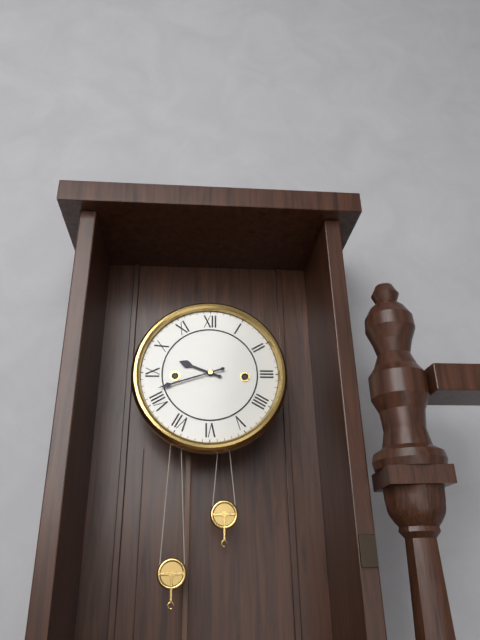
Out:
9 h 42 min
